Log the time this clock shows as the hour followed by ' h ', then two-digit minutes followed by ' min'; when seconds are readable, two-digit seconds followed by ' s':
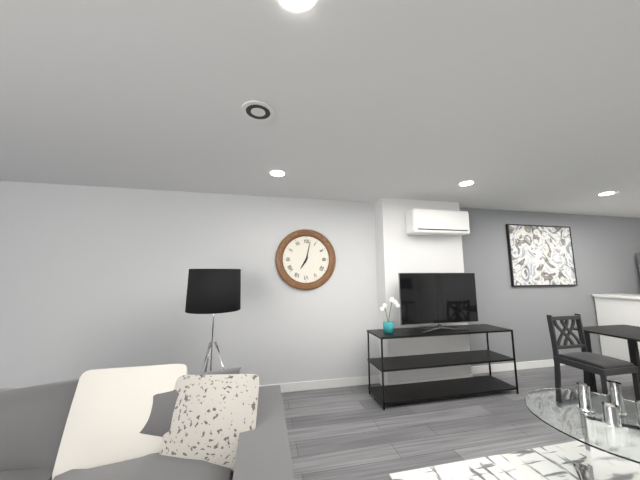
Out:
7 h 02 min
